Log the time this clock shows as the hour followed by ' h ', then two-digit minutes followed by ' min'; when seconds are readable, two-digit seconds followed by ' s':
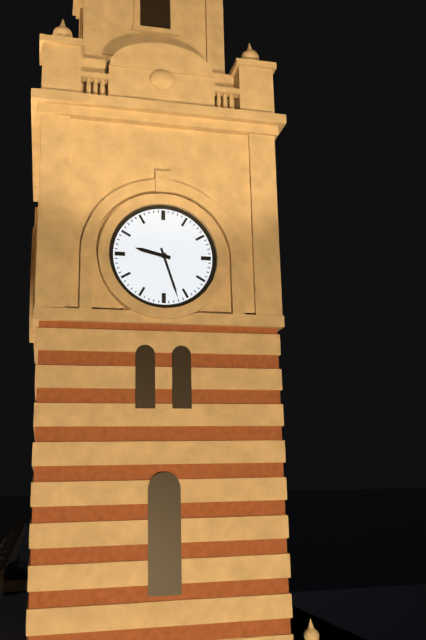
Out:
9 h 27 min
